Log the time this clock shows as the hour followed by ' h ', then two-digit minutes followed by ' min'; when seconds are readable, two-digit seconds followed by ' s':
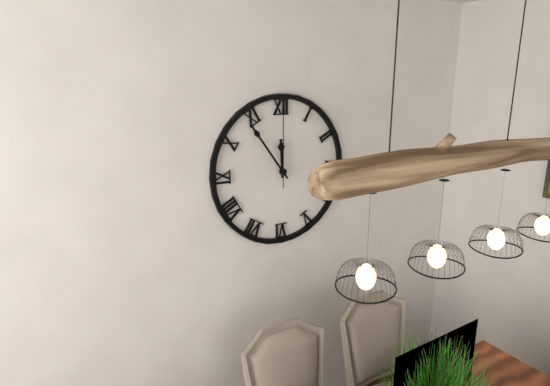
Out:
11 h 54 min 00 s
